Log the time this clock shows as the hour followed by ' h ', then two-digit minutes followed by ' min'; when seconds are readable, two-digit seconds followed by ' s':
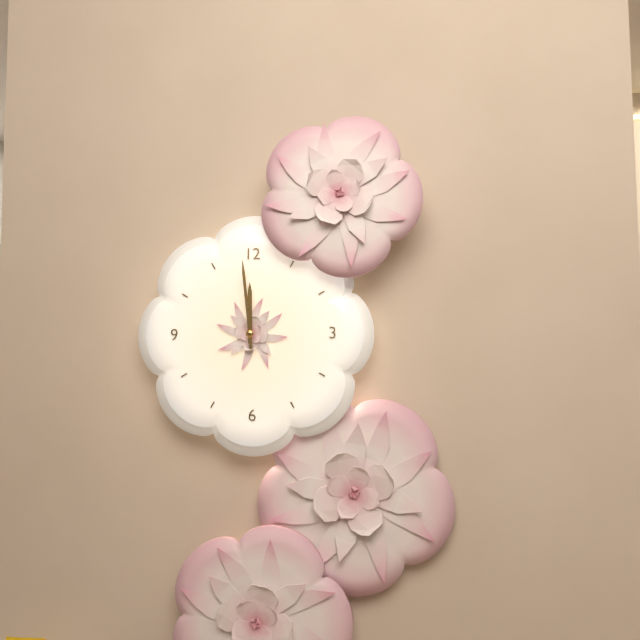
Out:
11 h 59 min
